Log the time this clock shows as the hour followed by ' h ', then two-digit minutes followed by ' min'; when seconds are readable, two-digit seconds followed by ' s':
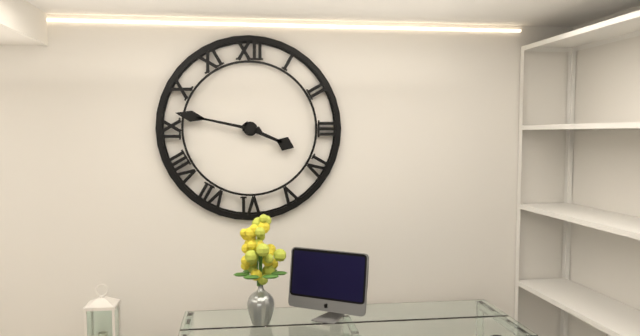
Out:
3 h 47 min
